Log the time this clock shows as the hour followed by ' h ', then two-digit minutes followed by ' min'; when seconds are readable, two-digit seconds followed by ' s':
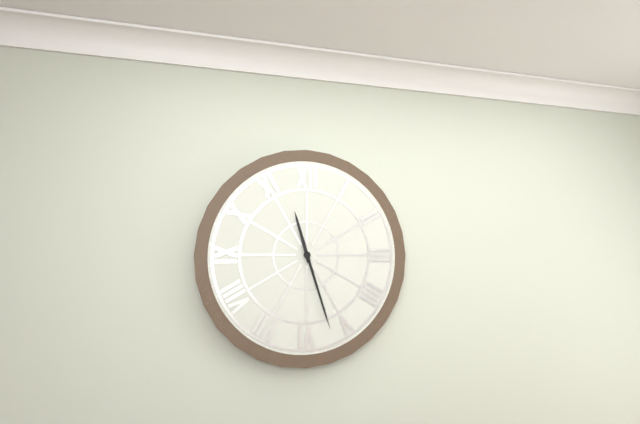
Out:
11 h 27 min
